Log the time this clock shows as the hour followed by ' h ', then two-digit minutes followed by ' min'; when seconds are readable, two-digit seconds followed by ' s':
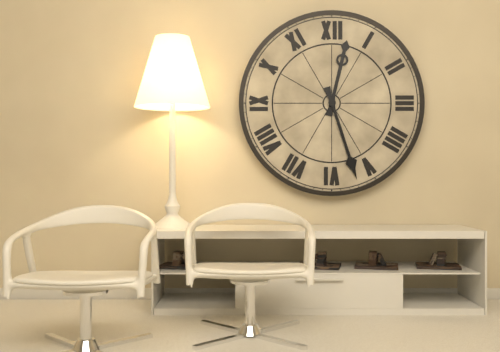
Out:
12 h 27 min
